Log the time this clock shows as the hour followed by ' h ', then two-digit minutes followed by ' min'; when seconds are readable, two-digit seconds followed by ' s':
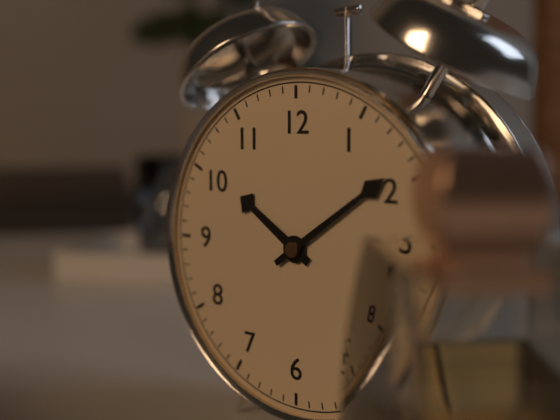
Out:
10 h 09 min
